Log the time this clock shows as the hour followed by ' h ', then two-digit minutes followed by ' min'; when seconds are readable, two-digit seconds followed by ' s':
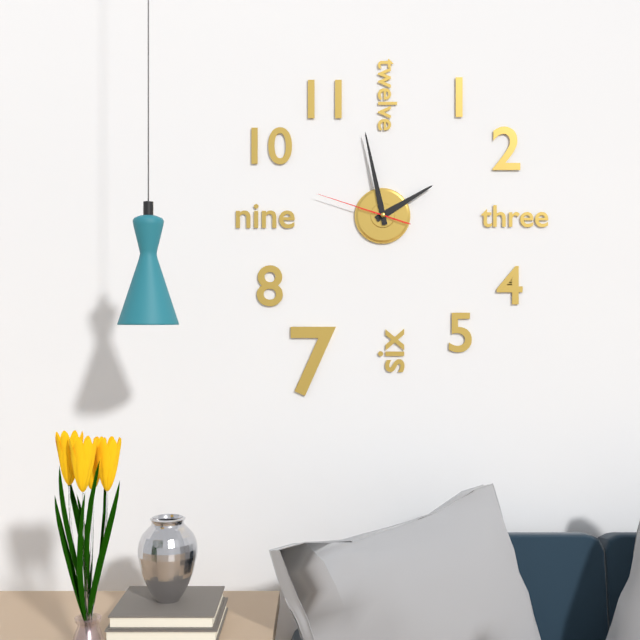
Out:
1 h 58 min 48 s
